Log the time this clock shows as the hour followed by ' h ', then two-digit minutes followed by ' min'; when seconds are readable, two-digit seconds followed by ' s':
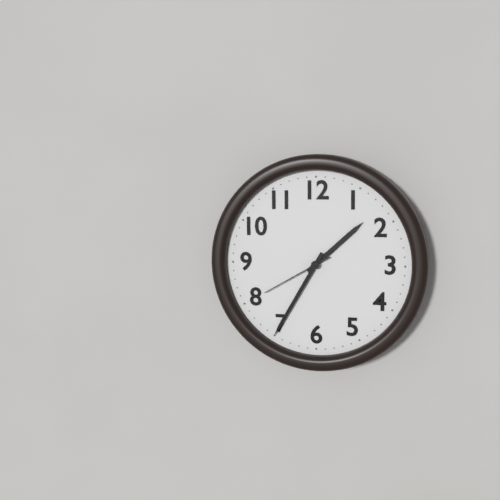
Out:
1 h 35 min 40 s
